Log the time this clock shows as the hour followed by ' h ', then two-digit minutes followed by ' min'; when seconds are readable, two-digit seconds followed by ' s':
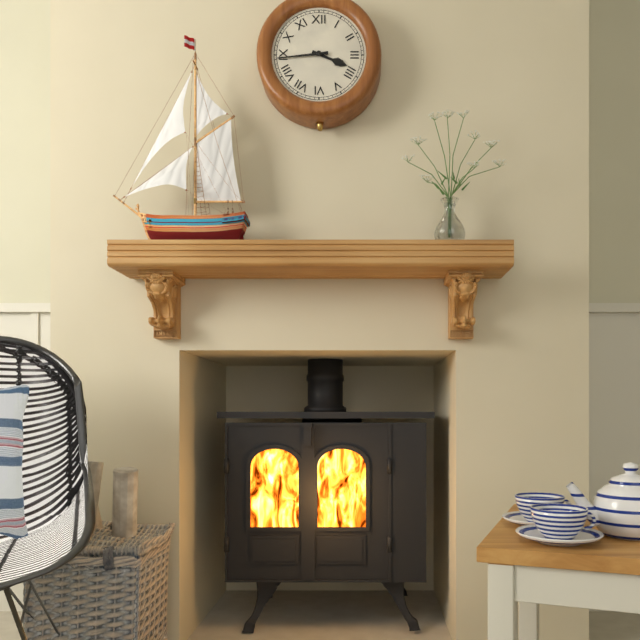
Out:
3 h 44 min
